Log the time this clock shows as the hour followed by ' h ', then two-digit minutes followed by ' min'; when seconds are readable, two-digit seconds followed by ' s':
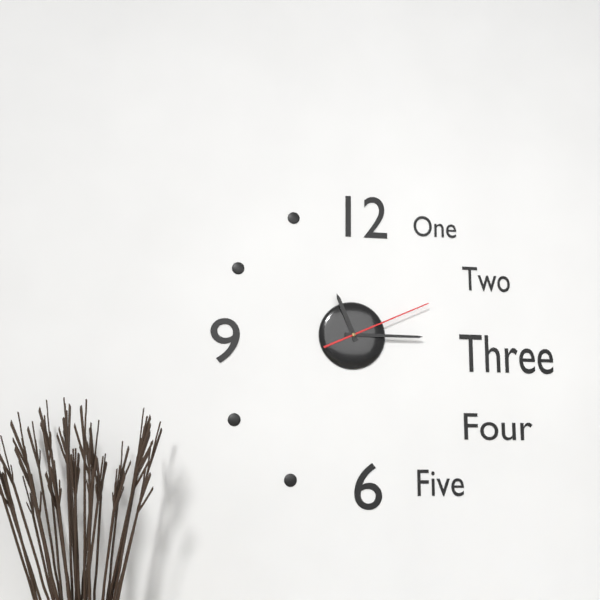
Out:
11 h 15 min 11 s
